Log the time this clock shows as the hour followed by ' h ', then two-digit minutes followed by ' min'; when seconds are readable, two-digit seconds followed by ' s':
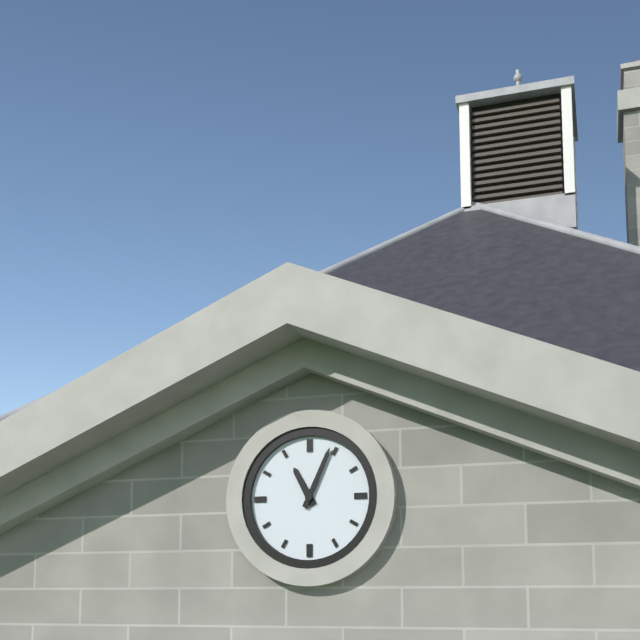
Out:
11 h 04 min
